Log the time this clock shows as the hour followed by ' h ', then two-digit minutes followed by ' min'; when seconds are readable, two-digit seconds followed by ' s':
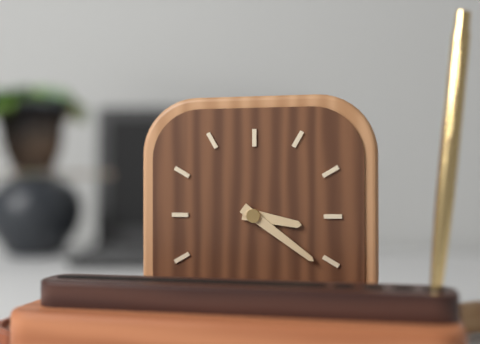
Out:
3 h 21 min
